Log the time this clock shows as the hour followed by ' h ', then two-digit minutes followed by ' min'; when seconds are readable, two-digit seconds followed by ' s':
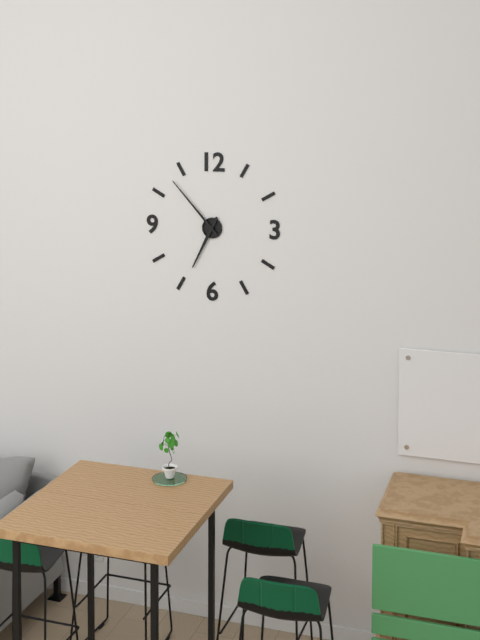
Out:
6 h 53 min
